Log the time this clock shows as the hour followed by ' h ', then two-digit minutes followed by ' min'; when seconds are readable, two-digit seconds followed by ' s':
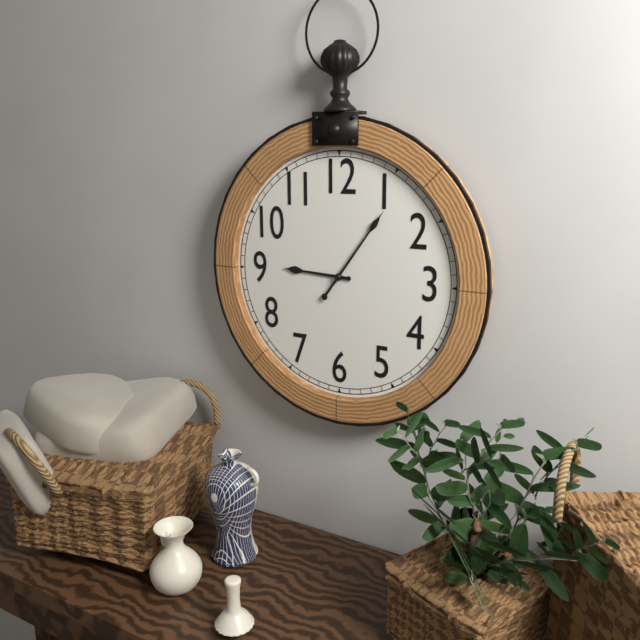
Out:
9 h 06 min
